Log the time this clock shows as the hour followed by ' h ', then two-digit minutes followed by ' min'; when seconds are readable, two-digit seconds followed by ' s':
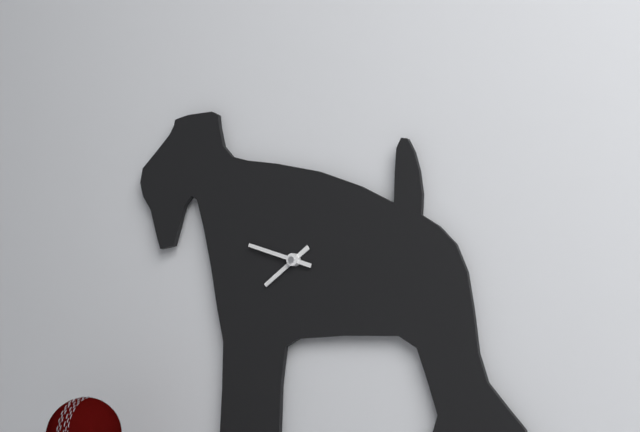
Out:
7 h 48 min
